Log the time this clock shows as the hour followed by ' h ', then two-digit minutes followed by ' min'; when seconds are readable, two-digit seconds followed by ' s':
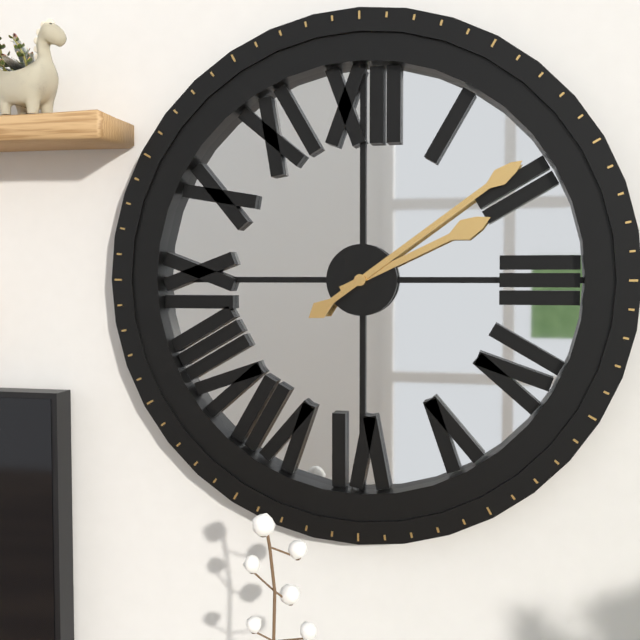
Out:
2 h 09 min
